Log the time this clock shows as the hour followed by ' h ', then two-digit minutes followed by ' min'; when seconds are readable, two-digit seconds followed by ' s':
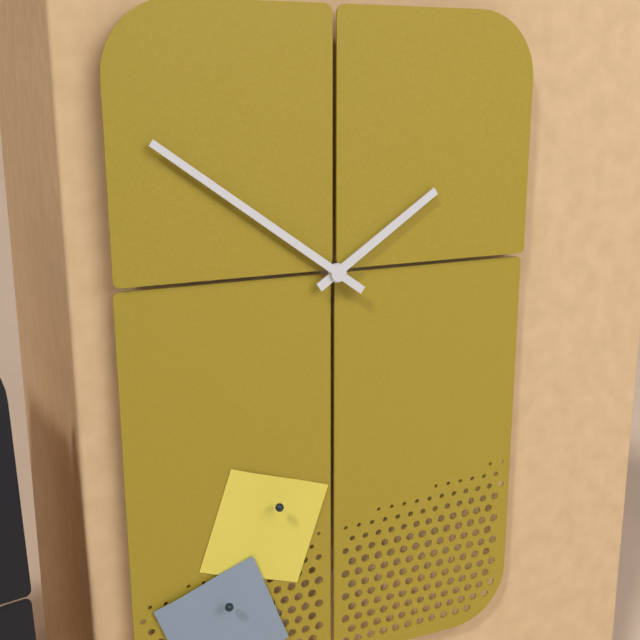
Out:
1 h 51 min
